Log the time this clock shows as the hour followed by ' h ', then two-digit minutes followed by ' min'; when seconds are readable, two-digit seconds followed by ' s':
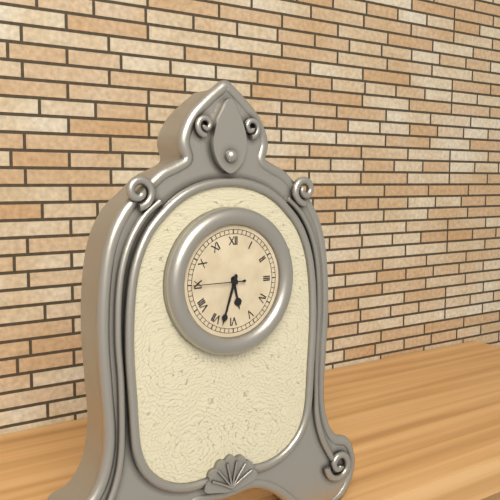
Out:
5 h 33 min 45 s
